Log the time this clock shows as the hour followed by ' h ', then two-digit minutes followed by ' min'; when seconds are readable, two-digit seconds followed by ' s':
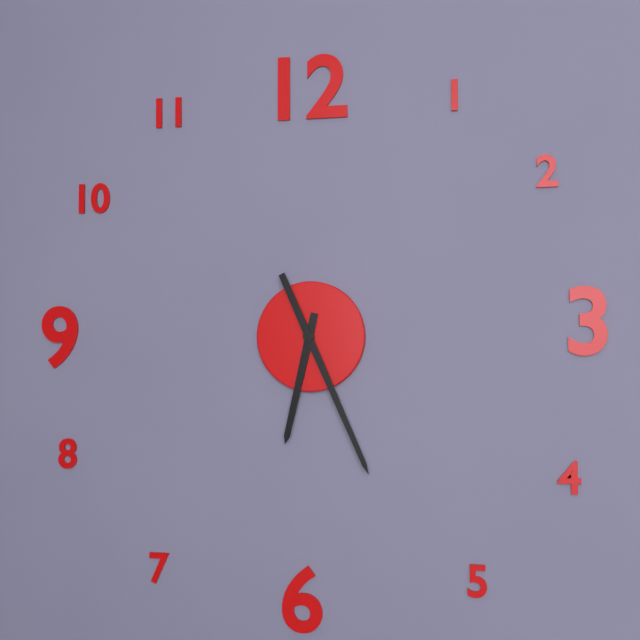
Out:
6 h 26 min
